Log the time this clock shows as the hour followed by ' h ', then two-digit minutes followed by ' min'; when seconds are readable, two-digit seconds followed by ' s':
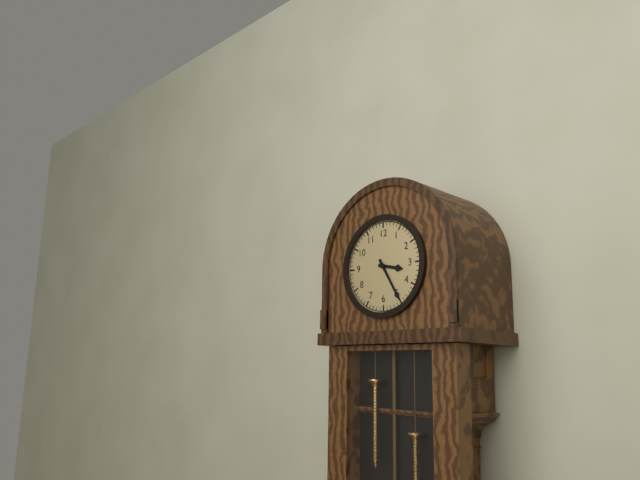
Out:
3 h 25 min
